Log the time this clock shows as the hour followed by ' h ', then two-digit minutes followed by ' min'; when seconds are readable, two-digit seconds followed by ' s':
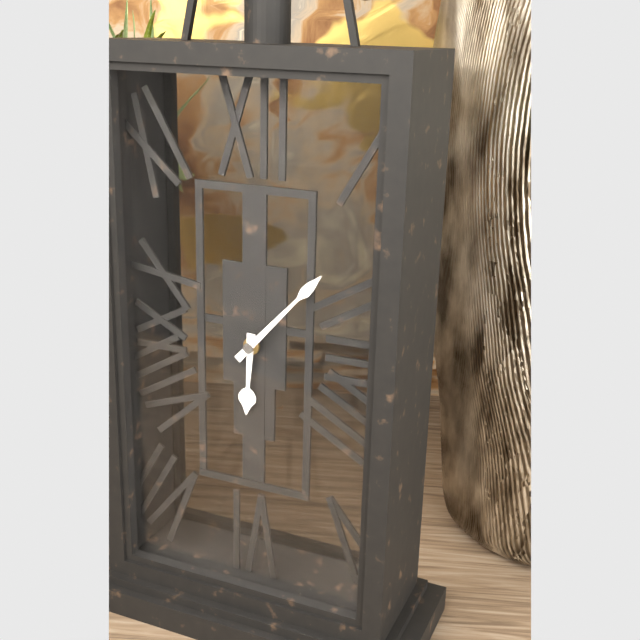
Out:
6 h 07 min
